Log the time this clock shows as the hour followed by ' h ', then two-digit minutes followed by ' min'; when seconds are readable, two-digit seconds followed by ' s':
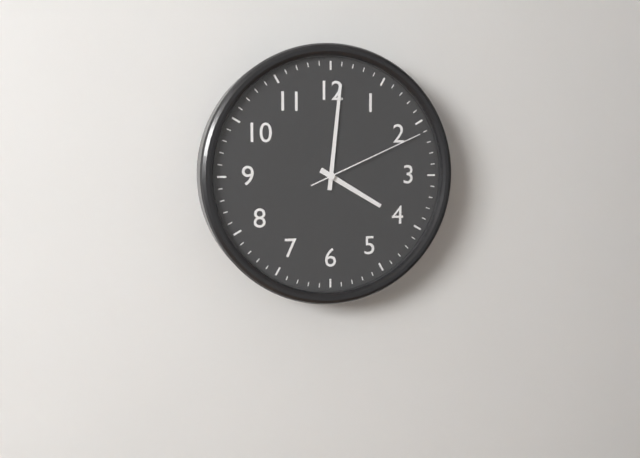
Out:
4 h 01 min 11 s
